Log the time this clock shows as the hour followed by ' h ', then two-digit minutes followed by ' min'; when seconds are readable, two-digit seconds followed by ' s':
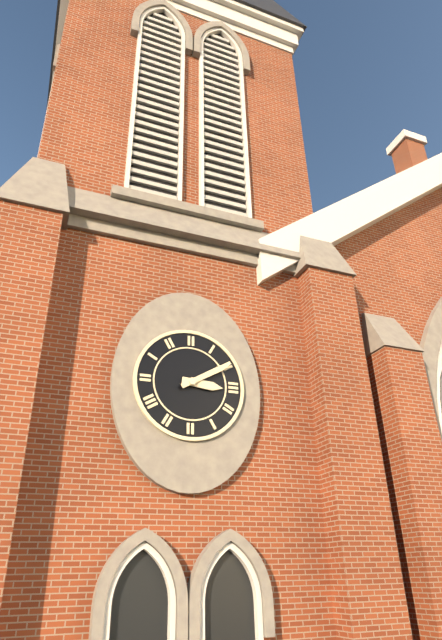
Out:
3 h 10 min
